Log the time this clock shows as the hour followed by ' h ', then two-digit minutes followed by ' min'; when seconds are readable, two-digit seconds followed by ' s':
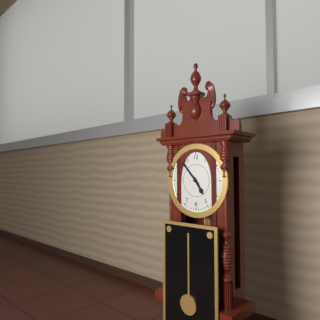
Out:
4 h 53 min
